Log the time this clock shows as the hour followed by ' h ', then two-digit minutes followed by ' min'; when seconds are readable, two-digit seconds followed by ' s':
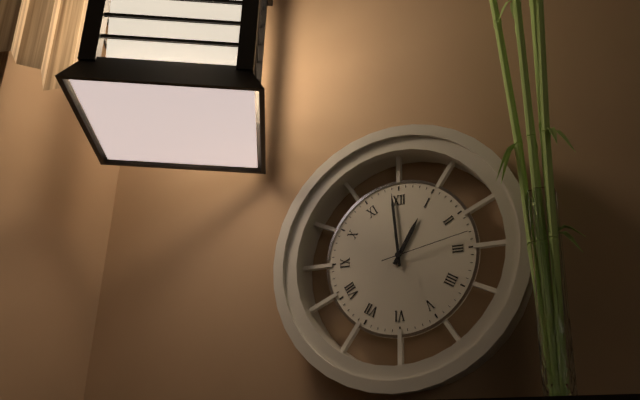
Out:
12 h 59 min 13 s
